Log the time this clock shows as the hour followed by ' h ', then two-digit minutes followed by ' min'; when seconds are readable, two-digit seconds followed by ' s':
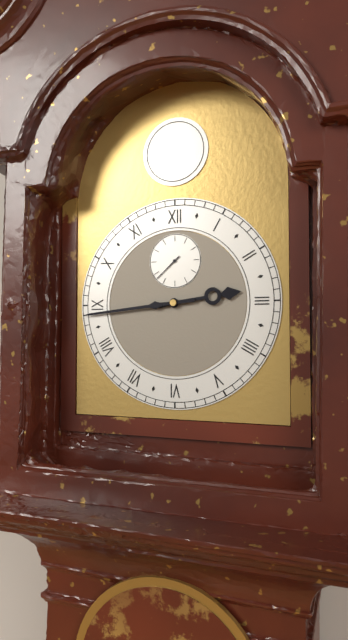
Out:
2 h 44 min
